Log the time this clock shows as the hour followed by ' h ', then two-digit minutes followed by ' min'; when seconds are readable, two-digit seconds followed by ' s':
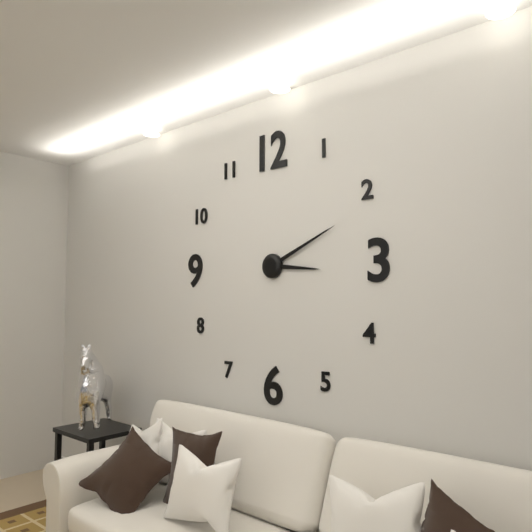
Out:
3 h 11 min
